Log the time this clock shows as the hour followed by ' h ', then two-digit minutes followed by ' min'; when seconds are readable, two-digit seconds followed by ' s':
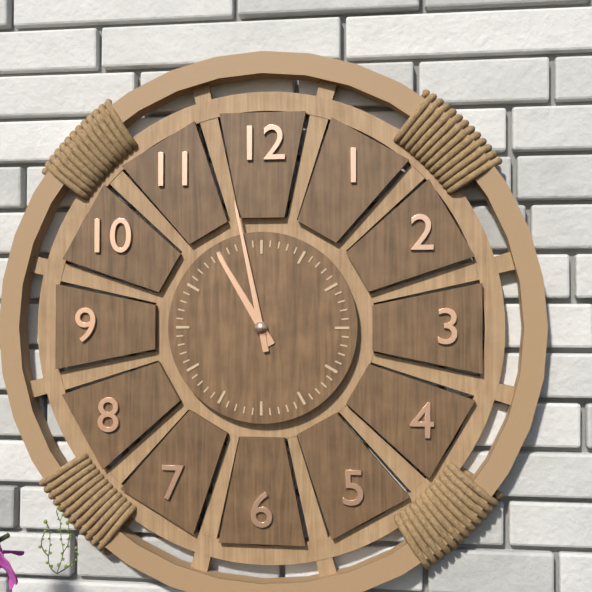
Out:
10 h 58 min
